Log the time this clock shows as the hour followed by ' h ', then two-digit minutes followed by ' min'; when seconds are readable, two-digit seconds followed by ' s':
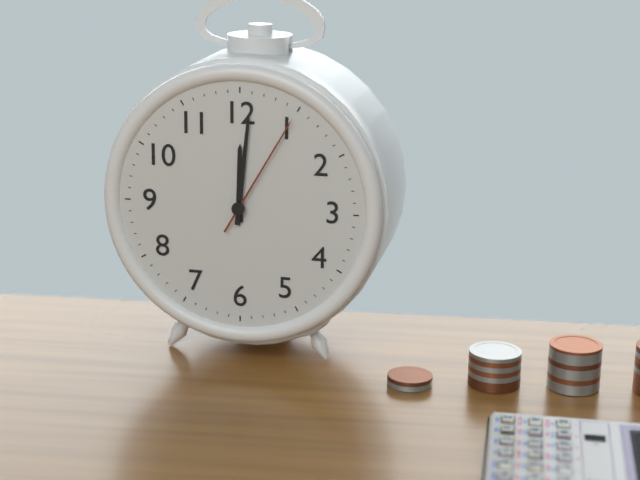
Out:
12 h 01 min 05 s
